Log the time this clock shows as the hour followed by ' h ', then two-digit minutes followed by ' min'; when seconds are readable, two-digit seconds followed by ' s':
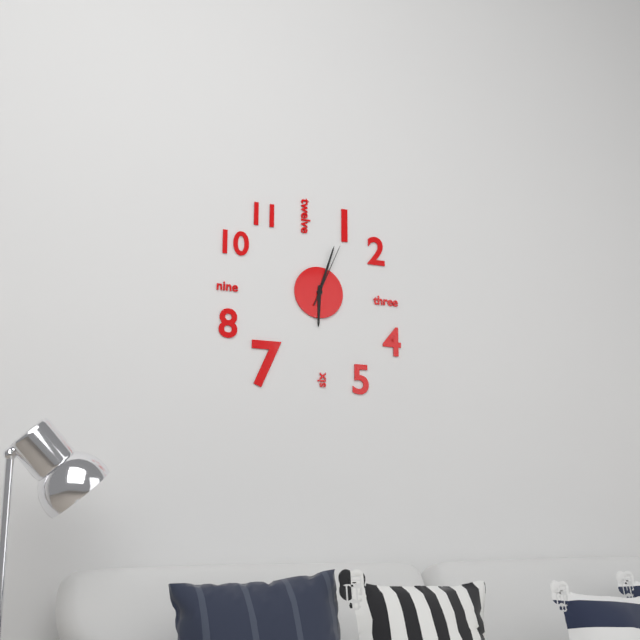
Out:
6 h 03 min 04 s
